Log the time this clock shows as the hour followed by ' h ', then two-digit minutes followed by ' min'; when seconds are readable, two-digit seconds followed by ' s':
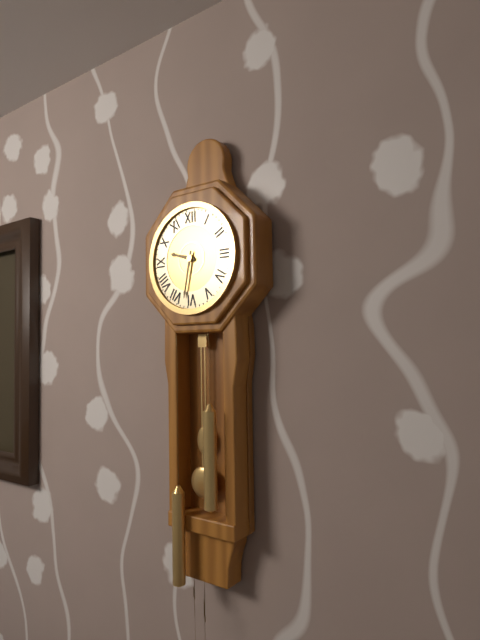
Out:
9 h 32 min
